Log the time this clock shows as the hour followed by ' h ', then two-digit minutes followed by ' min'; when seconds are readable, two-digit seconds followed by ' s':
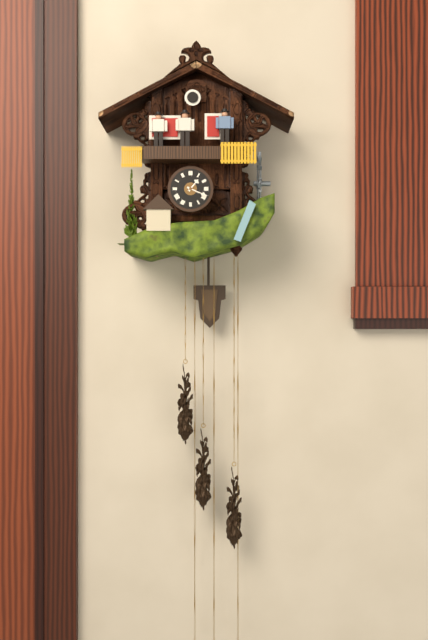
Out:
1 h 19 min
